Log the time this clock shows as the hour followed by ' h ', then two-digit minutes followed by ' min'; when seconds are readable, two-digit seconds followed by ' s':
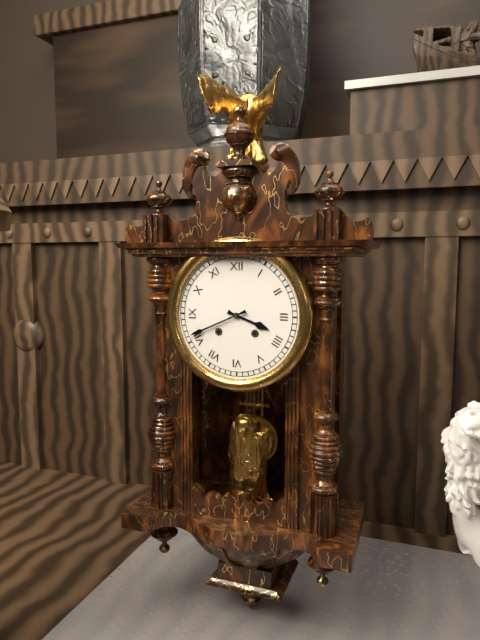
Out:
3 h 41 min
